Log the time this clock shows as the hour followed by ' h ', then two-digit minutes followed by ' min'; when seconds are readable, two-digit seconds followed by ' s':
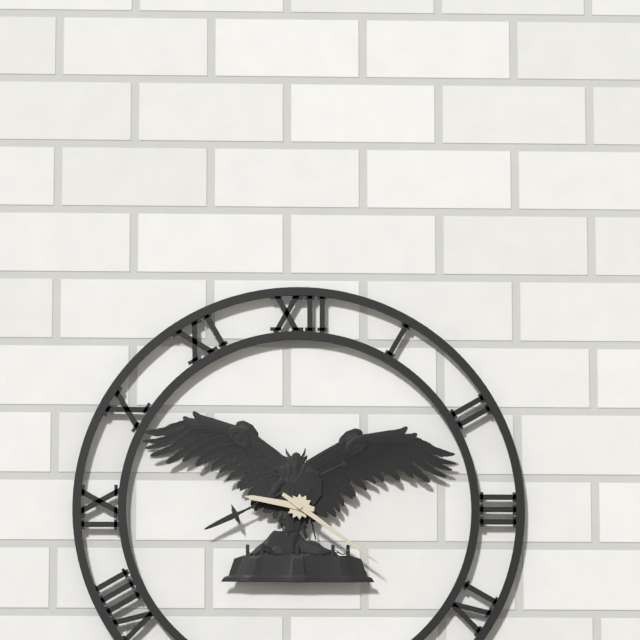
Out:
9 h 21 min
